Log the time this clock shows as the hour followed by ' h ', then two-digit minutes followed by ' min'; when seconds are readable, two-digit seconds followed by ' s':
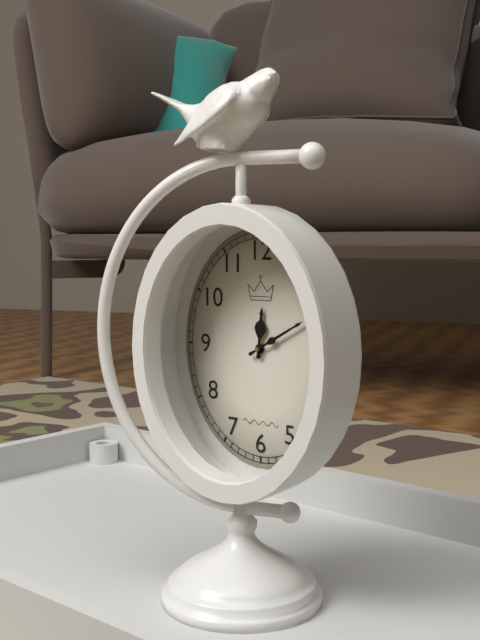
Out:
12 h 10 min
